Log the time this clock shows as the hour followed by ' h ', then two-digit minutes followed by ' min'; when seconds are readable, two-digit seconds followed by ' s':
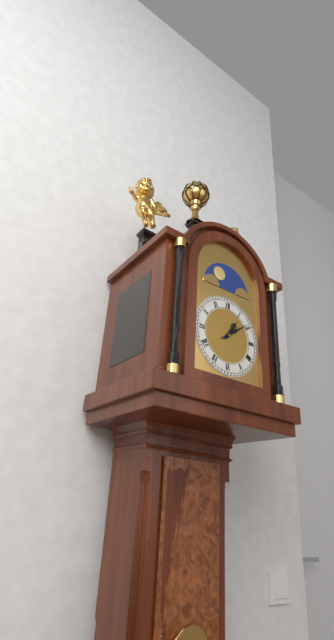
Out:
1 h 09 min
